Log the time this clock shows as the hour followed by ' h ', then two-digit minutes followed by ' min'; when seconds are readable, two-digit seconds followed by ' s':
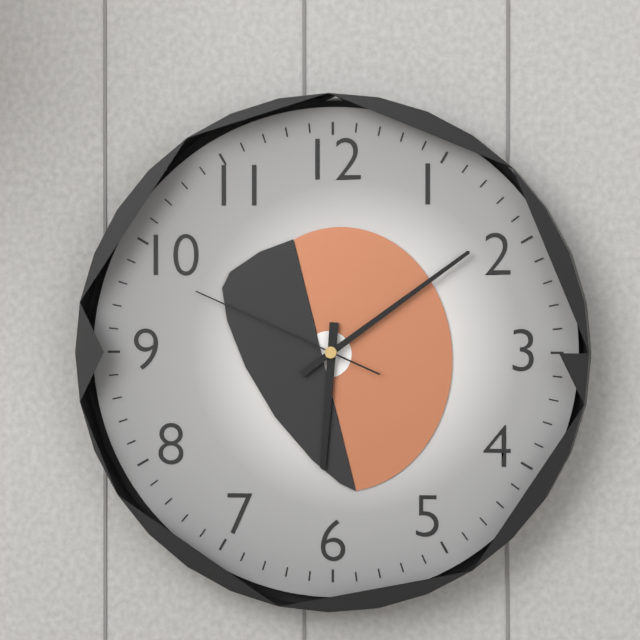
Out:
6 h 09 min 49 s
